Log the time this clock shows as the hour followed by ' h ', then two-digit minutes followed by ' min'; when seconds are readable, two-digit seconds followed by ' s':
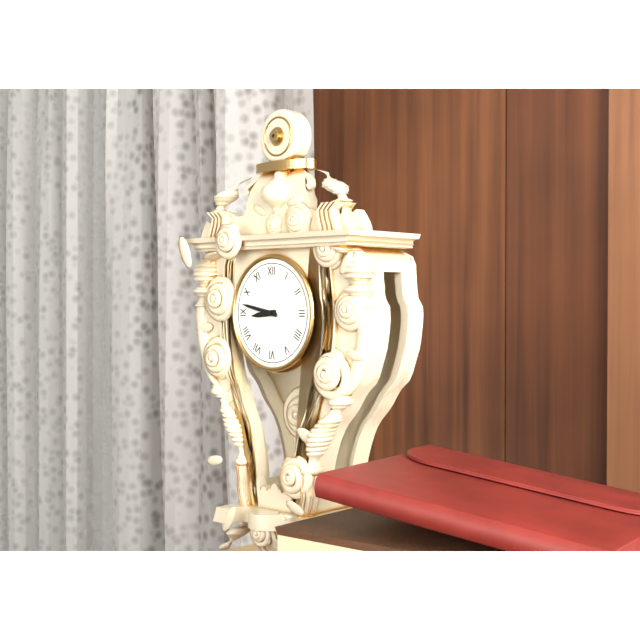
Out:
8 h 47 min
